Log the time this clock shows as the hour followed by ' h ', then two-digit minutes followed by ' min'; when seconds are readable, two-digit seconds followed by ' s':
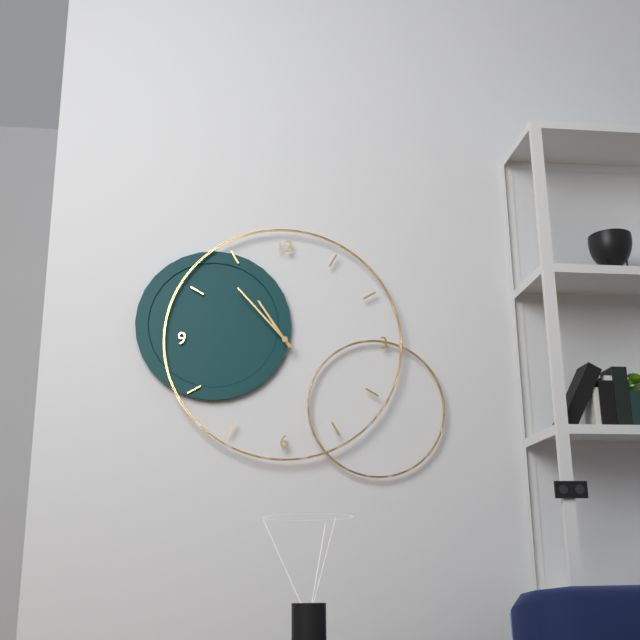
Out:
10 h 53 min
